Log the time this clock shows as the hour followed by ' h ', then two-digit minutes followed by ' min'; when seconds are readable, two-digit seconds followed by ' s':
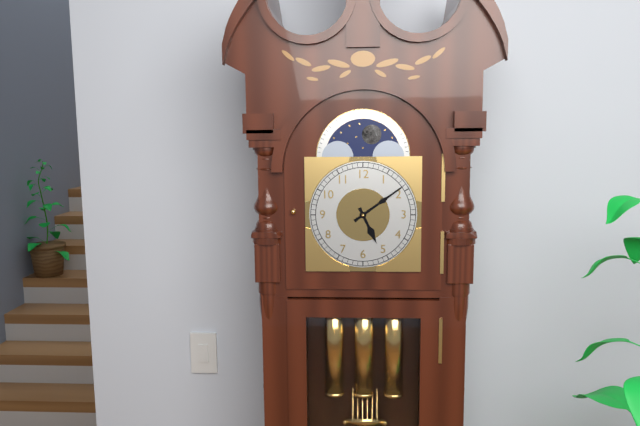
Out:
5 h 09 min
